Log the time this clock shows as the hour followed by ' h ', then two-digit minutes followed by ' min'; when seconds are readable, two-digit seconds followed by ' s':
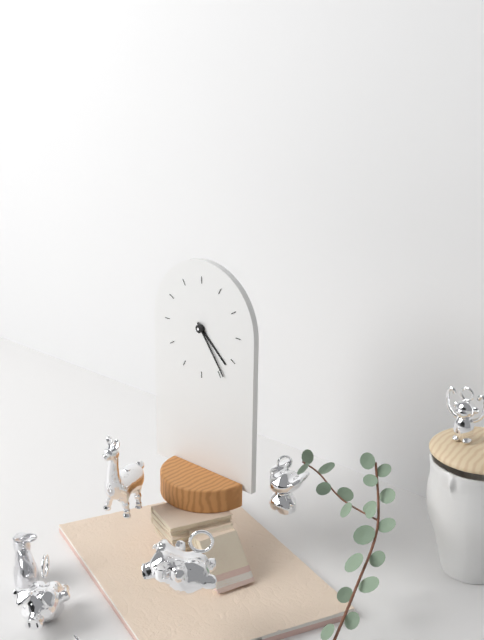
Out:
4 h 24 min
